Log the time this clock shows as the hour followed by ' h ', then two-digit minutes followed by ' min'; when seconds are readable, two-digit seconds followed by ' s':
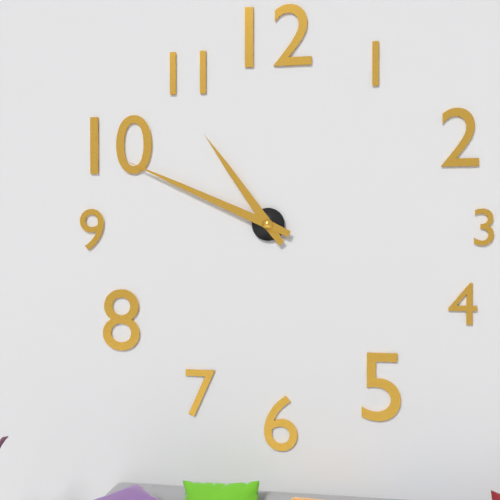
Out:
10 h 49 min
